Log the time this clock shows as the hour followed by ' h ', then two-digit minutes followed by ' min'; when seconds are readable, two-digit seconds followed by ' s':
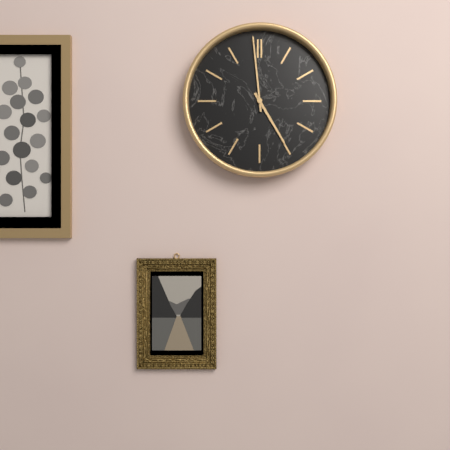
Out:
4 h 59 min
